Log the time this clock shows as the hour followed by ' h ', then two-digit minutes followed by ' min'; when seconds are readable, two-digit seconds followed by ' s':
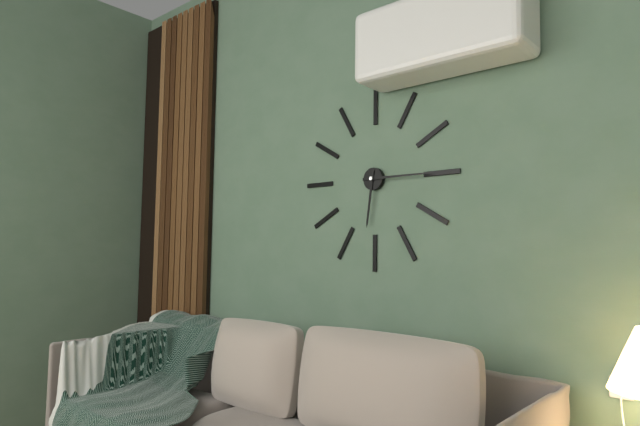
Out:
6 h 15 min
